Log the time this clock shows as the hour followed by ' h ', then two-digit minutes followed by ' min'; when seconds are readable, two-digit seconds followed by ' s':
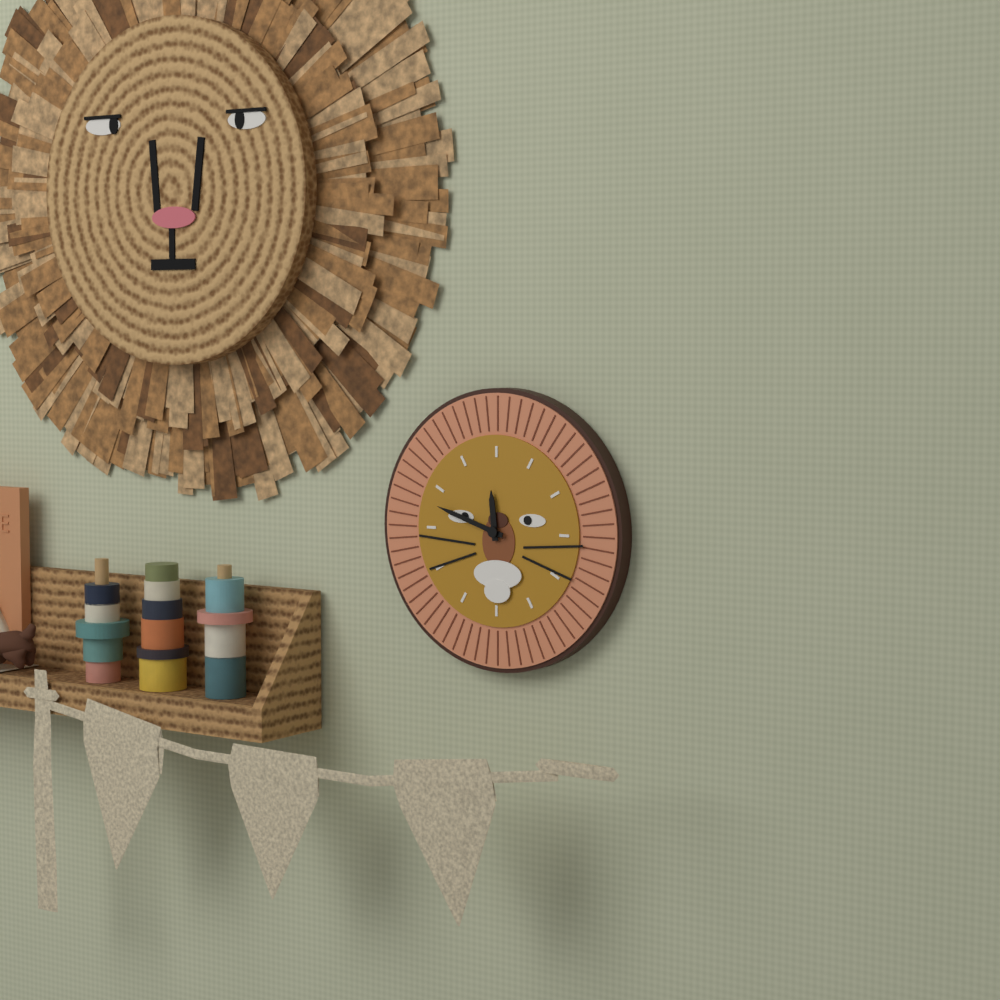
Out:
11 h 48 min
